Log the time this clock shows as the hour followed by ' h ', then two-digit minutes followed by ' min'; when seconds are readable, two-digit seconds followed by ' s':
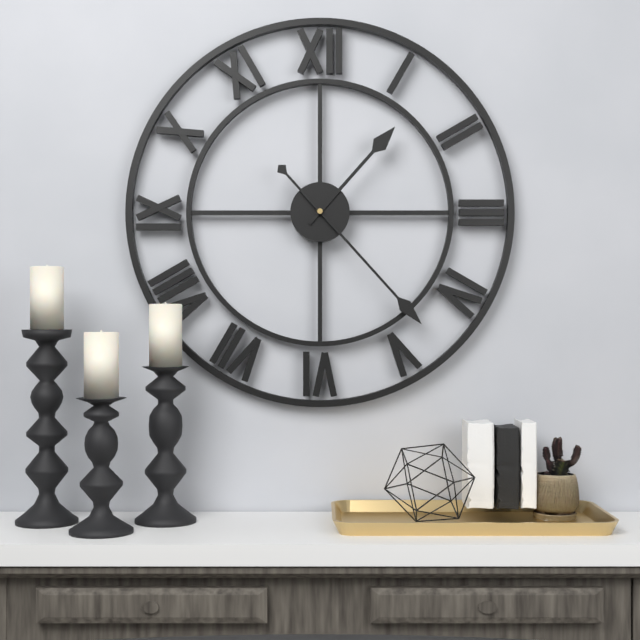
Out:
1 h 23 min
